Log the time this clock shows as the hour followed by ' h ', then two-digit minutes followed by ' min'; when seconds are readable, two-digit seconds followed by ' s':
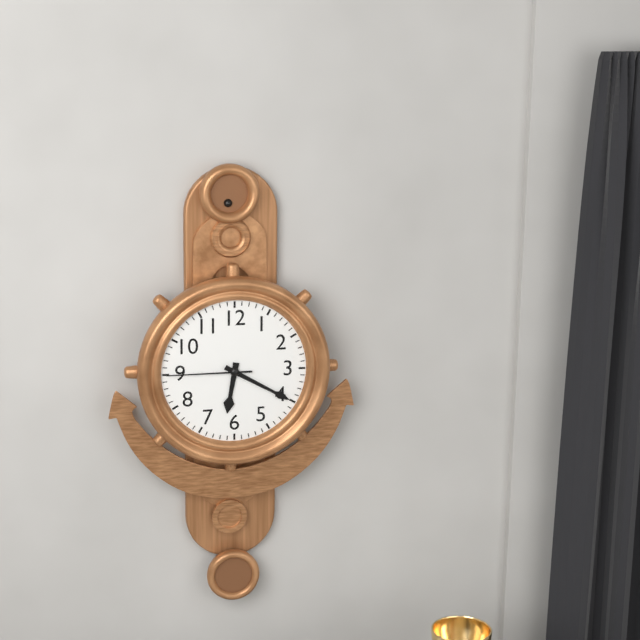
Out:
6 h 20 min 45 s
